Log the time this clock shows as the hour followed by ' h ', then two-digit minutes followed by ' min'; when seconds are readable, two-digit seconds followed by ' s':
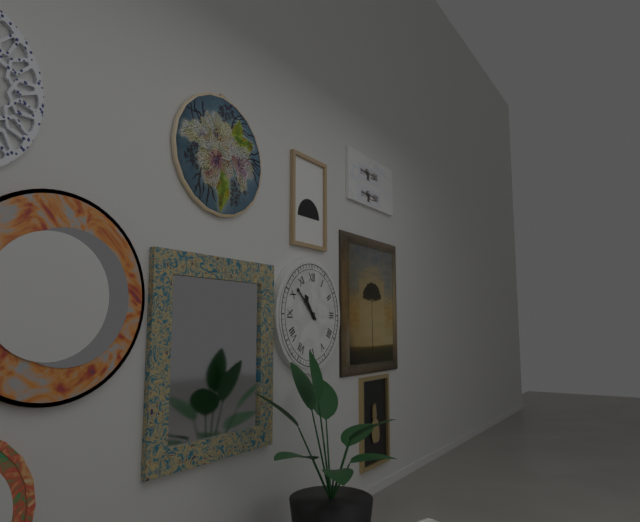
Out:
10 h 52 min
